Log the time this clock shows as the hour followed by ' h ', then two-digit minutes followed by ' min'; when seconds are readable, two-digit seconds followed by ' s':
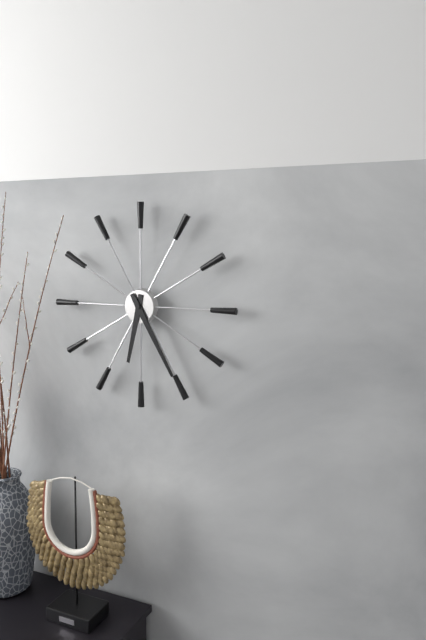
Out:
6 h 25 min
